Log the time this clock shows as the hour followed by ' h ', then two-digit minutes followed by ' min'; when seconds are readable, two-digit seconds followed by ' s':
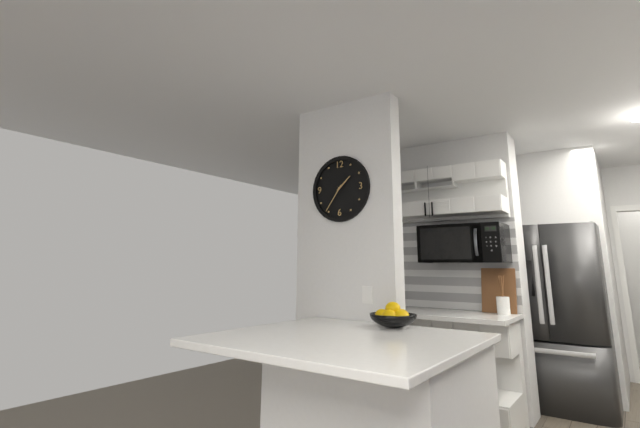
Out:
1 h 36 min
